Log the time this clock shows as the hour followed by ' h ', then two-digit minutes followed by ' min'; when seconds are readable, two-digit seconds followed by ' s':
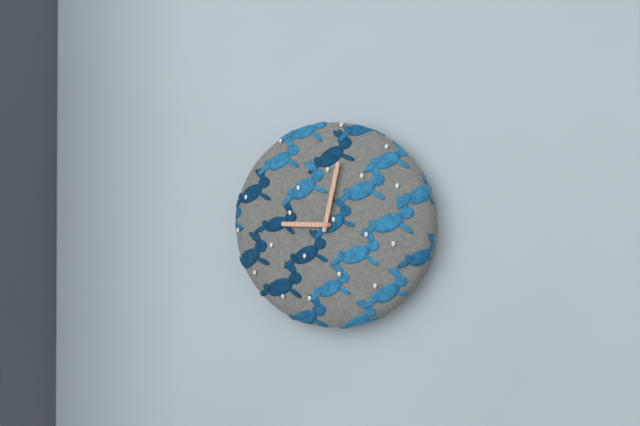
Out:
9 h 02 min
